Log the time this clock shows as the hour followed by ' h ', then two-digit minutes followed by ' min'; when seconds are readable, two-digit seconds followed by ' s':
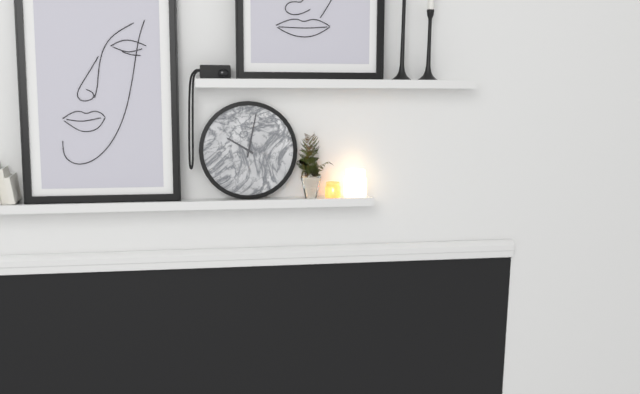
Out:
10 h 02 min
